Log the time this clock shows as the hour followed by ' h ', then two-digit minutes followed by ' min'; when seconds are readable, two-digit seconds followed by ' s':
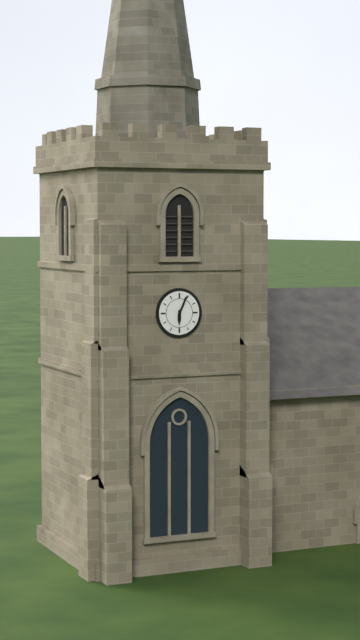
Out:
6 h 04 min
